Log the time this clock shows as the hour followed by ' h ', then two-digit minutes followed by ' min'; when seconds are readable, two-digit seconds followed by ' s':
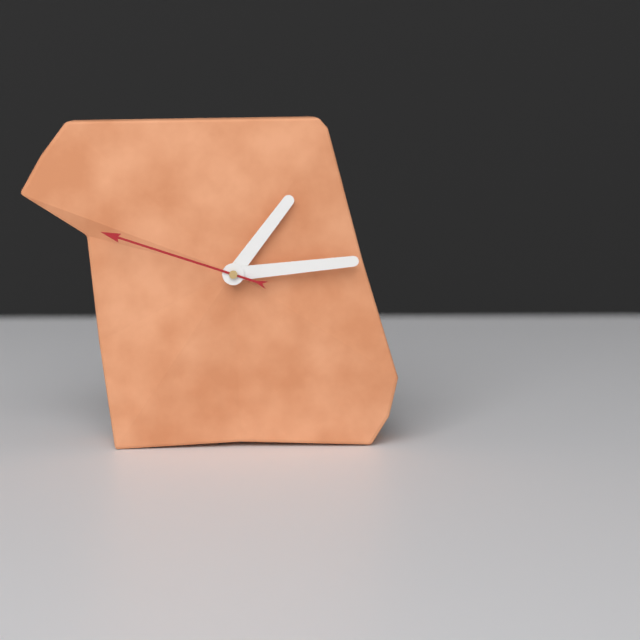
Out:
1 h 14 min 48 s
